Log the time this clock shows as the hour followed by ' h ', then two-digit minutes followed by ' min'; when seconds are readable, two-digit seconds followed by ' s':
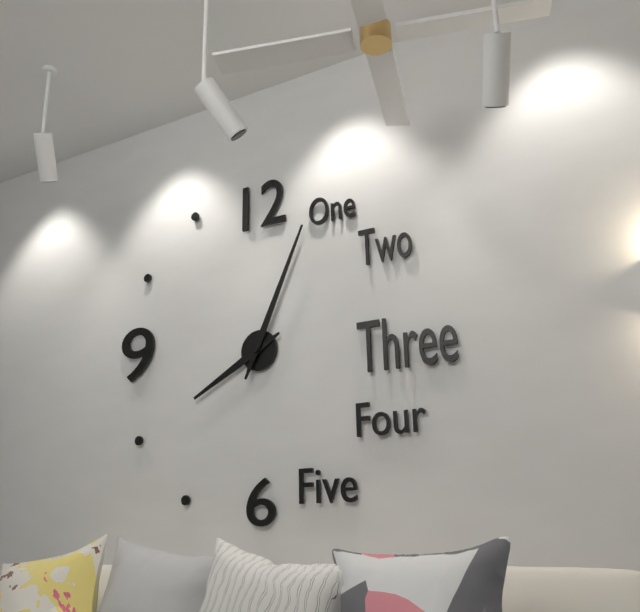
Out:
8 h 04 min
